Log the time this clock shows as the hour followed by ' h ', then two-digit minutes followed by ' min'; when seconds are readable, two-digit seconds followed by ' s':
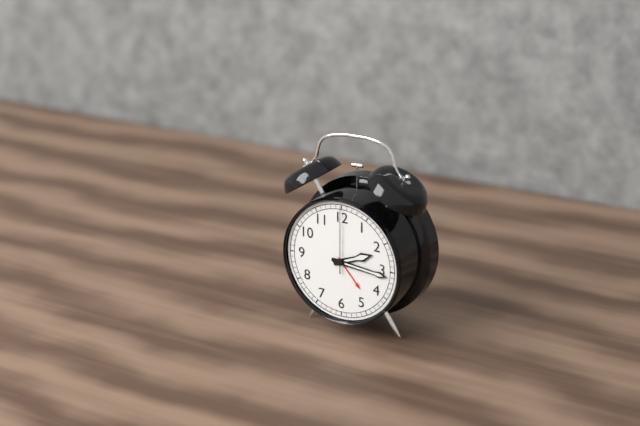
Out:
2 h 16 min 00 s
